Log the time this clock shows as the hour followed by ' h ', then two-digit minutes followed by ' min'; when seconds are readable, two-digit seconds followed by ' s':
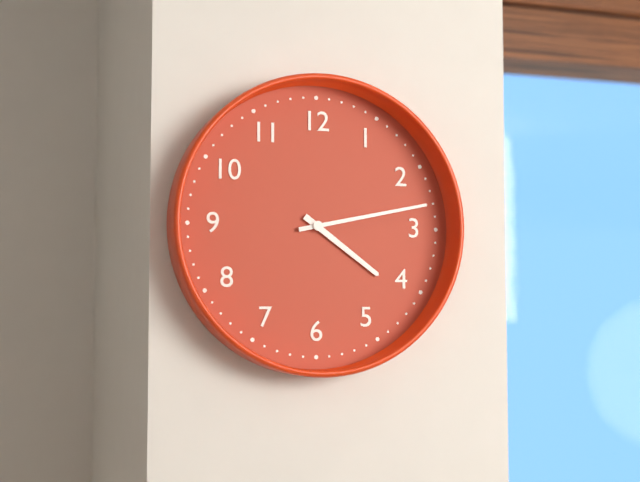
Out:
4 h 13 min
